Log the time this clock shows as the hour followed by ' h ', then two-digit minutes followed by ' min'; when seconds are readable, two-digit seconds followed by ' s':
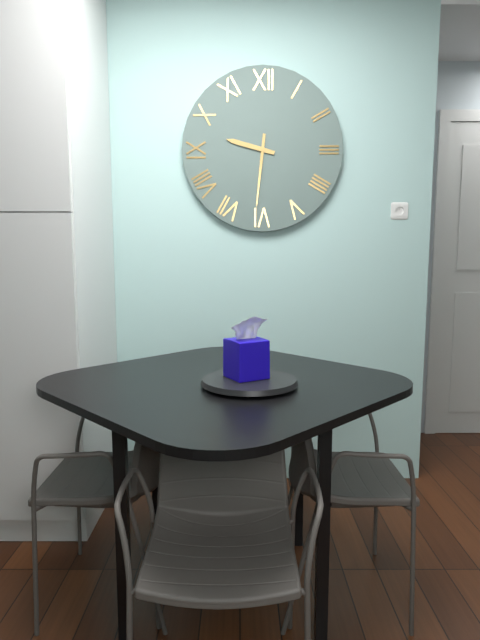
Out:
9 h 31 min
